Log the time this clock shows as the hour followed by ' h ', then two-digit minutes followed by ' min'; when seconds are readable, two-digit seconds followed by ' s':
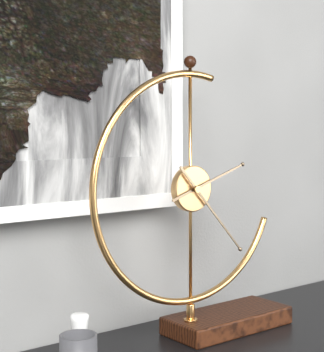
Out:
2 h 23 min
